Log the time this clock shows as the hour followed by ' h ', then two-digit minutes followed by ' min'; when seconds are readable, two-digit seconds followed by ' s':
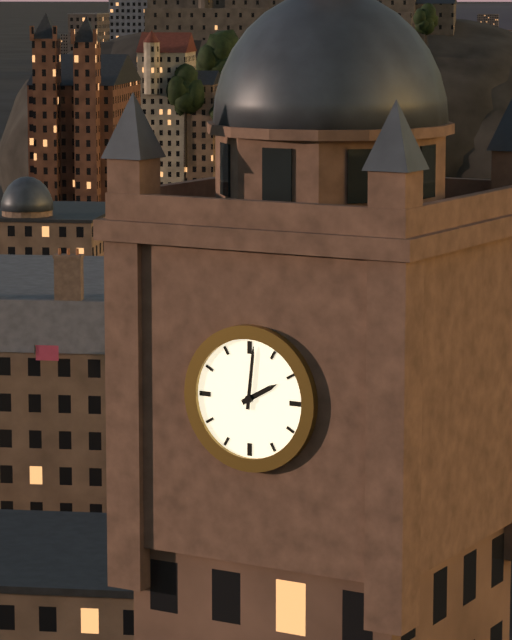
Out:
2 h 01 min
